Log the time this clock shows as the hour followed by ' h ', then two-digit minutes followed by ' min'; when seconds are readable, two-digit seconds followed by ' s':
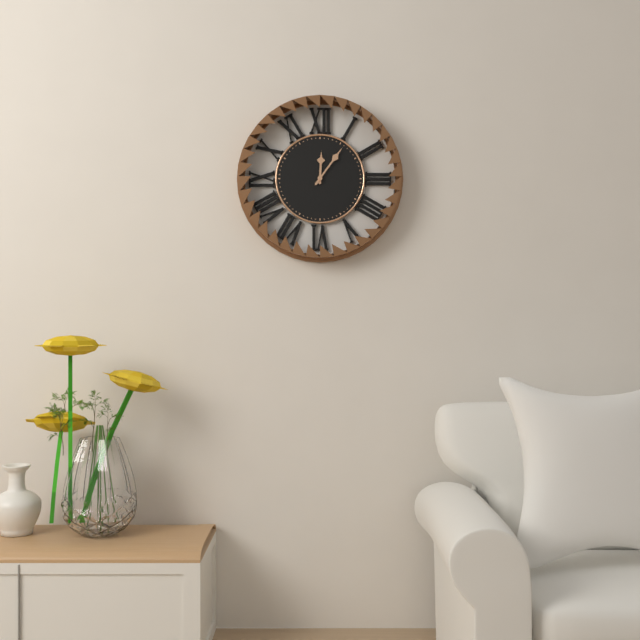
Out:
12 h 06 min
